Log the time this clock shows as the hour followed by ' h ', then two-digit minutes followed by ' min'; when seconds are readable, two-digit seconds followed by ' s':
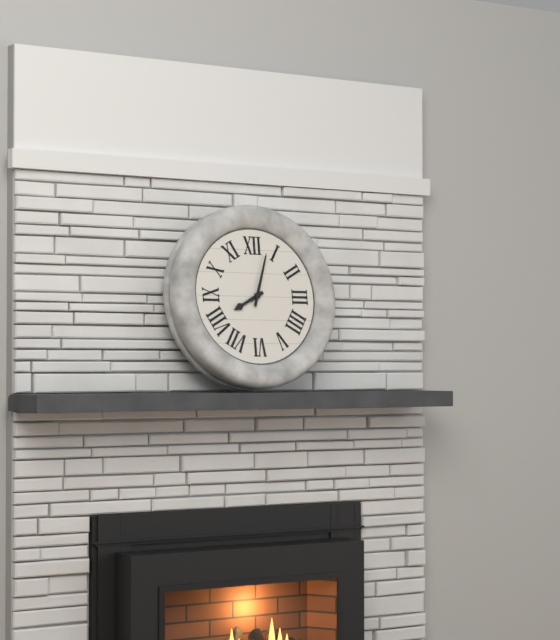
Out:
8 h 03 min
